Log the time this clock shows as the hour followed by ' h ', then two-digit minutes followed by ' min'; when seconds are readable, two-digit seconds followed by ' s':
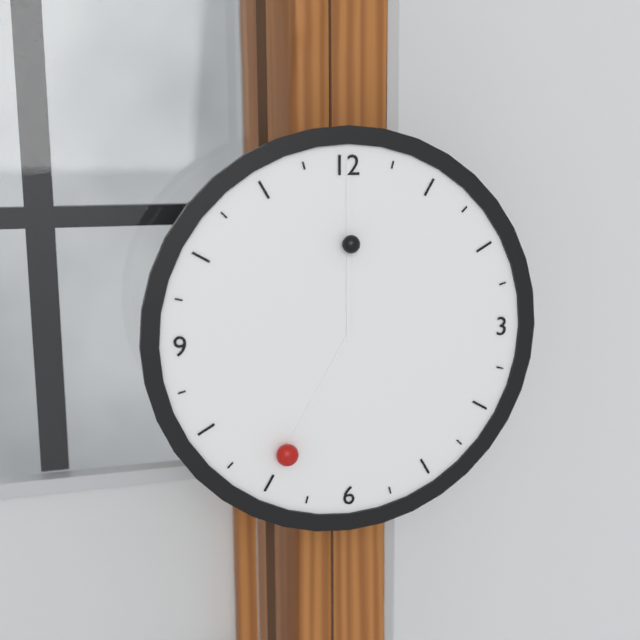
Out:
7 h 00 min
